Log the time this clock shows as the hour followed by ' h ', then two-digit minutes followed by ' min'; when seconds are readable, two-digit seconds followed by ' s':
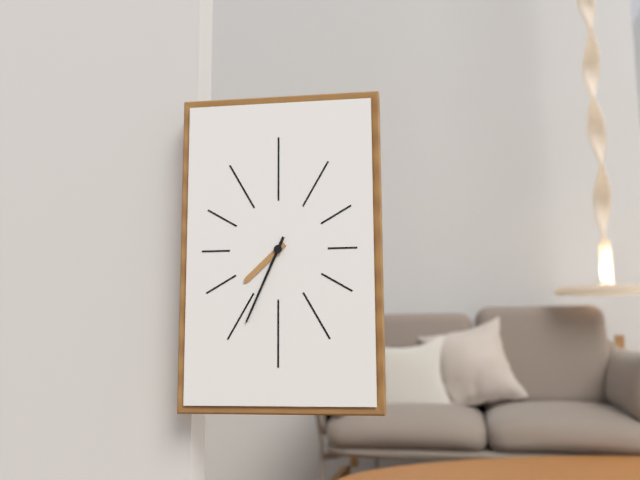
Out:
7 h 34 min
